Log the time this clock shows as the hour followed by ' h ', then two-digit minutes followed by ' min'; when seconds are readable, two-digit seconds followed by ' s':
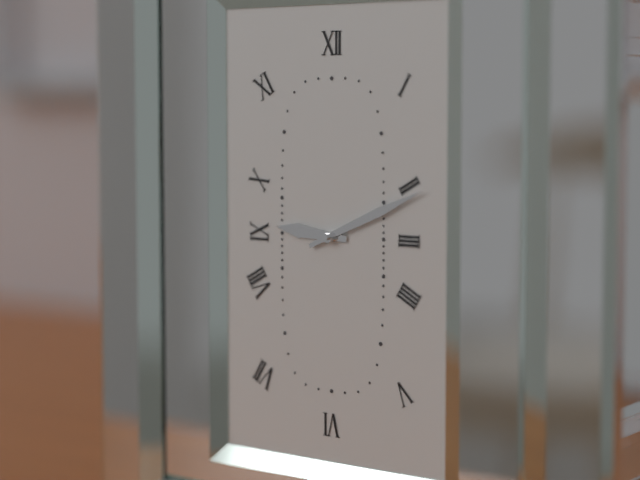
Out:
9 h 11 min
